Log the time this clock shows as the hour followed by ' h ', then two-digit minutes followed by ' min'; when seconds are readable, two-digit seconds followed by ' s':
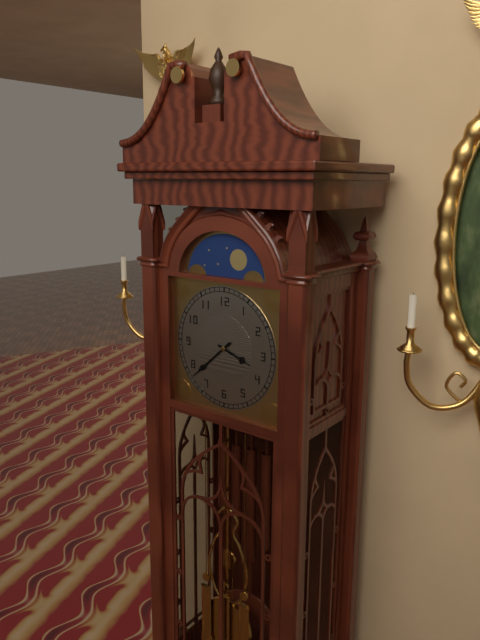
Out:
3 h 38 min
